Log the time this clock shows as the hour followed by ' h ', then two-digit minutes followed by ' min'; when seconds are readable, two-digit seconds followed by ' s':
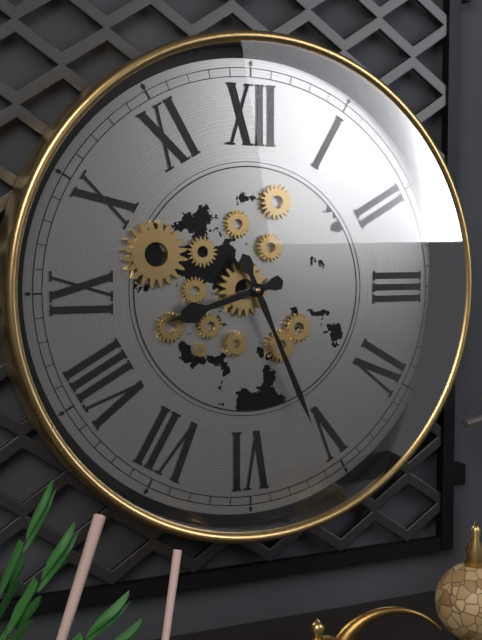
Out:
8 h 26 min
